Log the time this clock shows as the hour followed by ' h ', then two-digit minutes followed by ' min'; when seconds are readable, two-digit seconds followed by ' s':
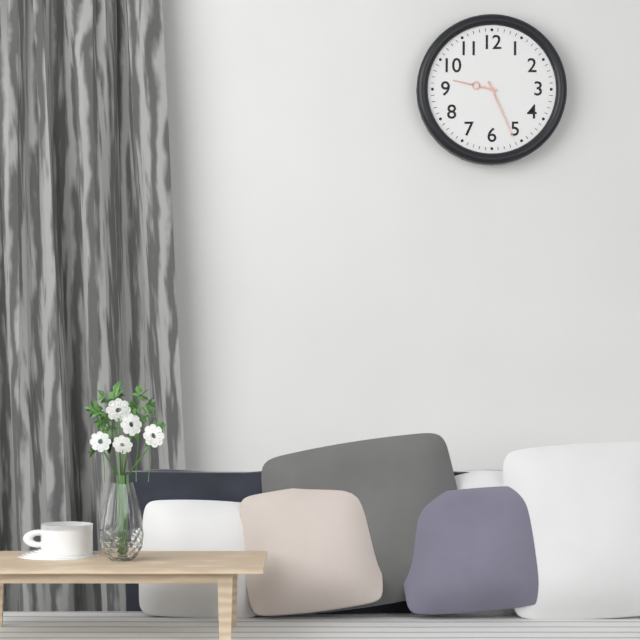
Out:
9 h 26 min
